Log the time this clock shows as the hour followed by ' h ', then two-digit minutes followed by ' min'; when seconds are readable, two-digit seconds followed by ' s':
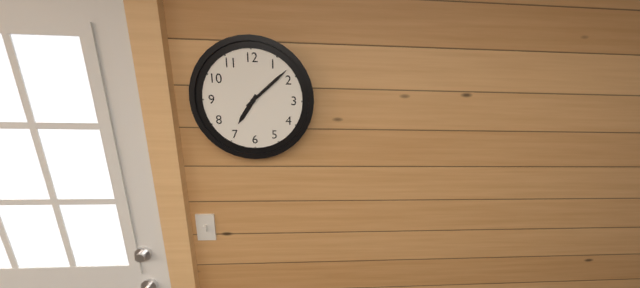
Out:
7 h 08 min
